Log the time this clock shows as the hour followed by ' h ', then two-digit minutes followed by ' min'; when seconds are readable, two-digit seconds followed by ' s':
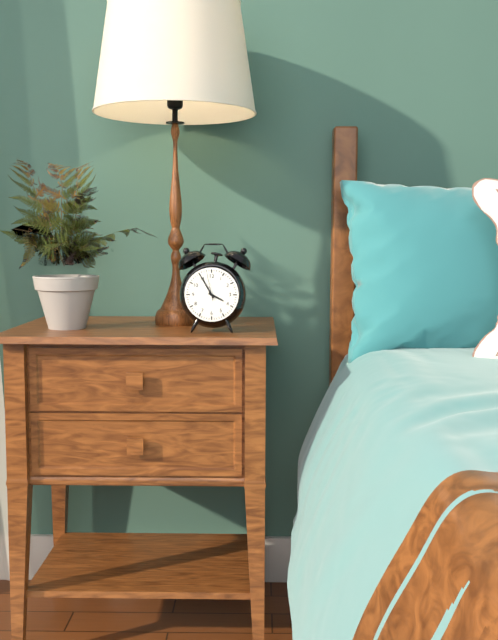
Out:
3 h 55 min
